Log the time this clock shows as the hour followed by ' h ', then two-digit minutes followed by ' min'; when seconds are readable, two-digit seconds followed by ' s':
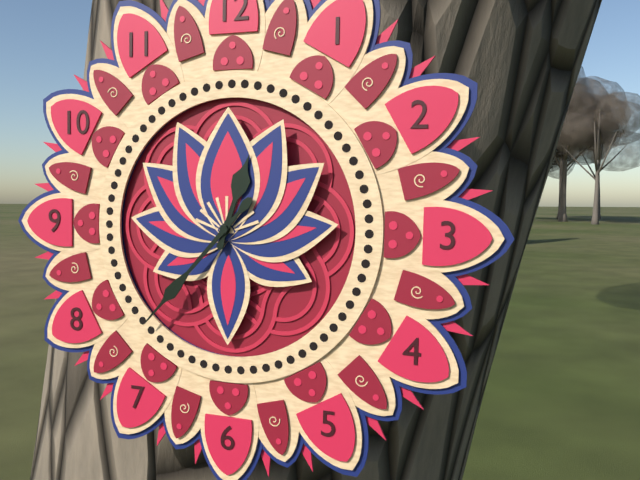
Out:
12 h 37 min
